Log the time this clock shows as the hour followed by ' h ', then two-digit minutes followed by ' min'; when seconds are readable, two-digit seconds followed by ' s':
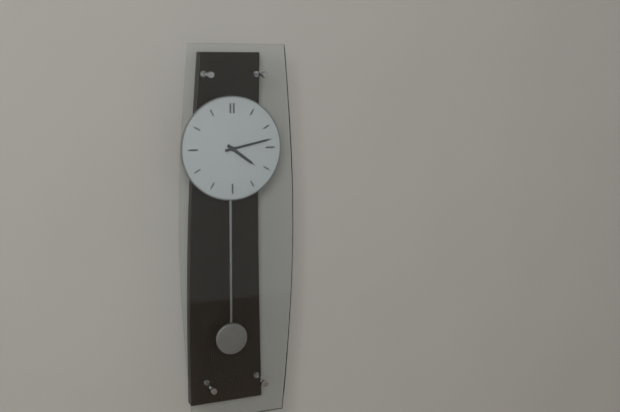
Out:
4 h 13 min
